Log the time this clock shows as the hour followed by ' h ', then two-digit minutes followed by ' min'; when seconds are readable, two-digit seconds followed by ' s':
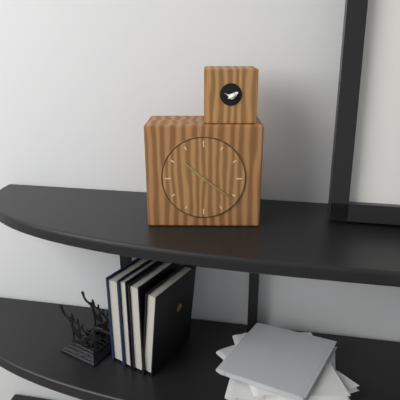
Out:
10 h 21 min
